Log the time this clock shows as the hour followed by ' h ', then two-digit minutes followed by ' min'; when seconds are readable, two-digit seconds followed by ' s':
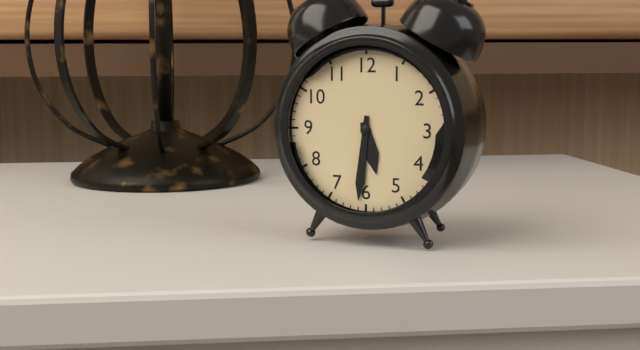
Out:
5 h 31 min
